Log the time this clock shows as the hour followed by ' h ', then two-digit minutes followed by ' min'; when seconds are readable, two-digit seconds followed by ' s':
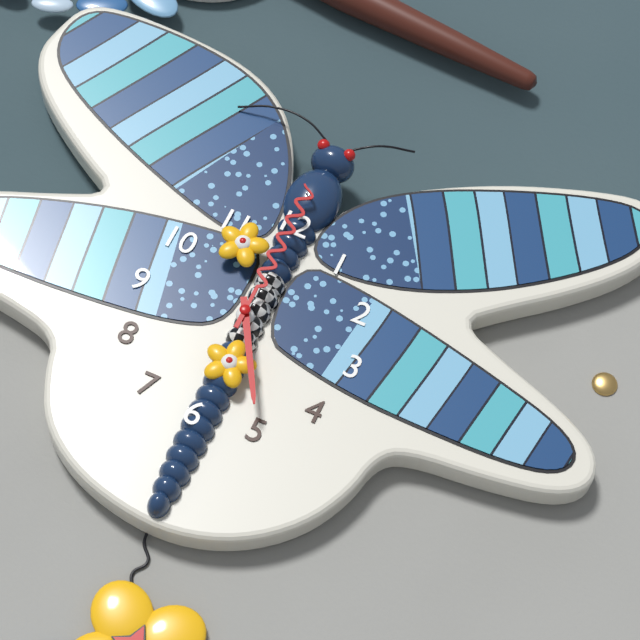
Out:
5 h 00 min
